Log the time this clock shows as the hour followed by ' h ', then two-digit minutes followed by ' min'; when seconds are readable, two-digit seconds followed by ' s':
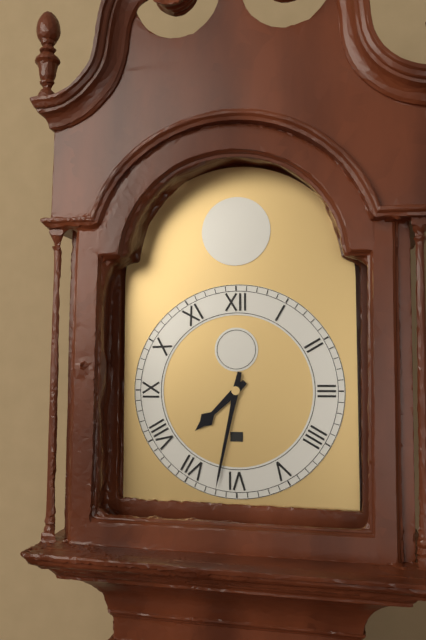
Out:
7 h 32 min
